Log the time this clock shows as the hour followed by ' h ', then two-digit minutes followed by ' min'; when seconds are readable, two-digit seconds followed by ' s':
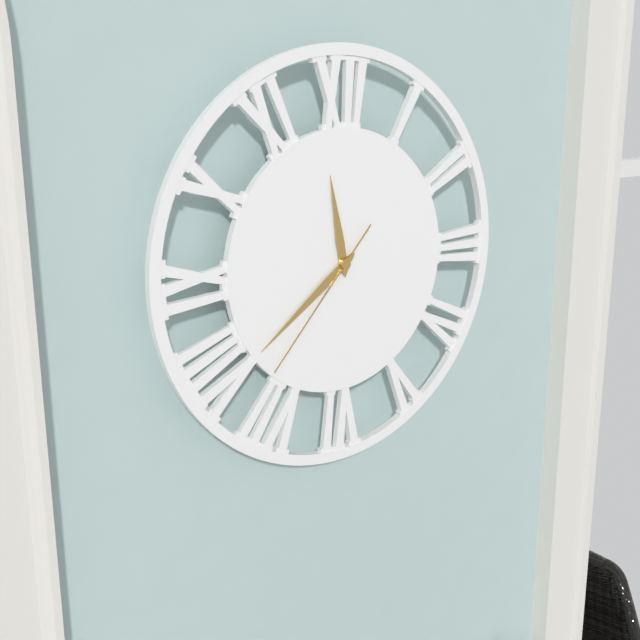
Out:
11 h 39 min 37 s
